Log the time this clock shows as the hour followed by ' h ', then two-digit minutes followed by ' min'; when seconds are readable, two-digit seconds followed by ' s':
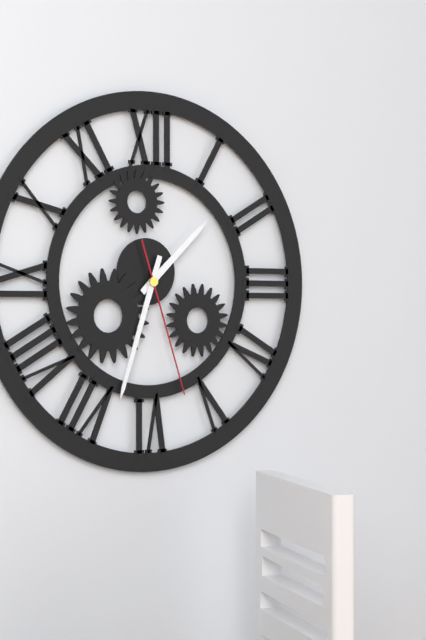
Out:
1 h 33 min 27 s
